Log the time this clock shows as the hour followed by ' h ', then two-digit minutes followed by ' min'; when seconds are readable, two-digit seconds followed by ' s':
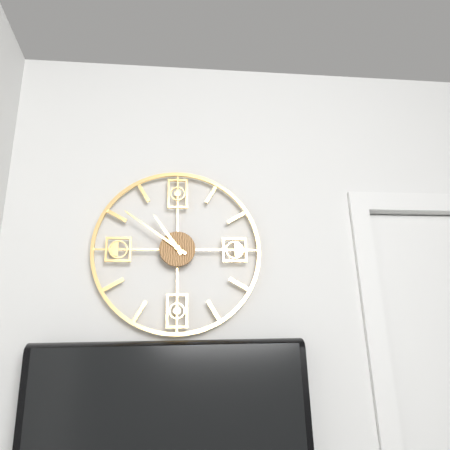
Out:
10 h 51 min
